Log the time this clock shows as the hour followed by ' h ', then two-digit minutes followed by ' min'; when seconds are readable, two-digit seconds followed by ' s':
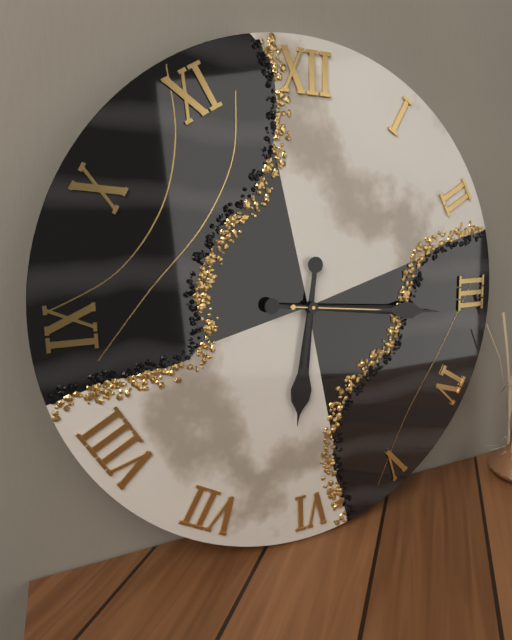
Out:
6 h 16 min 16 s
